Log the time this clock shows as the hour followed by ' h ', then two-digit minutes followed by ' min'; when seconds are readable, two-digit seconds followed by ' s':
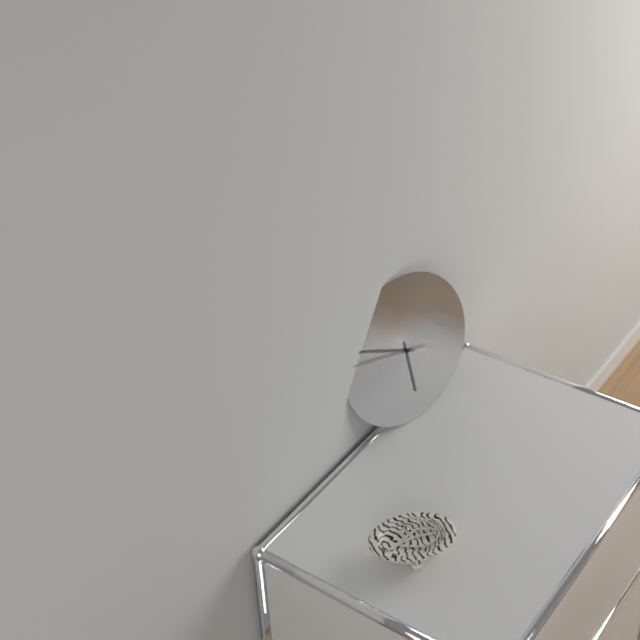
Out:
5 h 49 min 47 s
